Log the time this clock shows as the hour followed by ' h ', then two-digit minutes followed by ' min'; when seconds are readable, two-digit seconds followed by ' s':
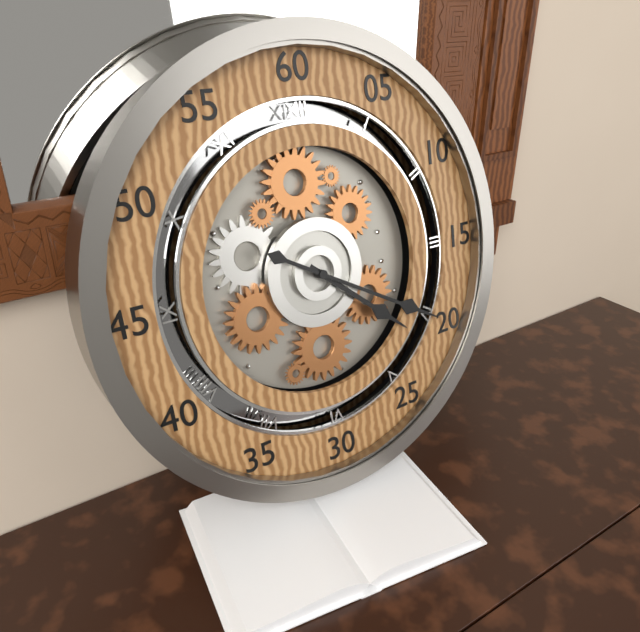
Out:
4 h 20 min
